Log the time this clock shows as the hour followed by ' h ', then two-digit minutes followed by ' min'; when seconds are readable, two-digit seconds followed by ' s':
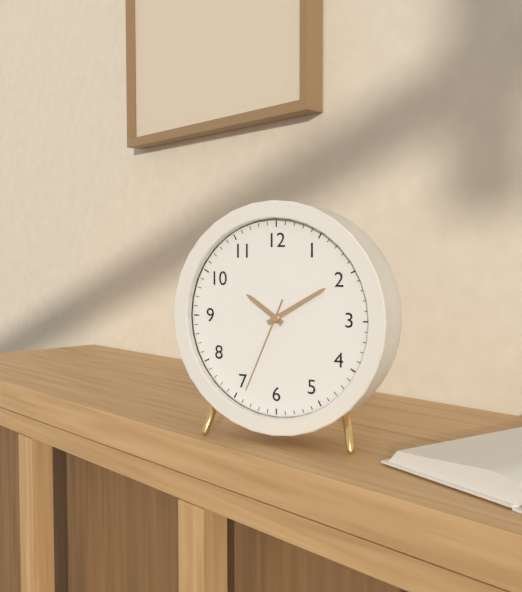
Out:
10 h 10 min 34 s
